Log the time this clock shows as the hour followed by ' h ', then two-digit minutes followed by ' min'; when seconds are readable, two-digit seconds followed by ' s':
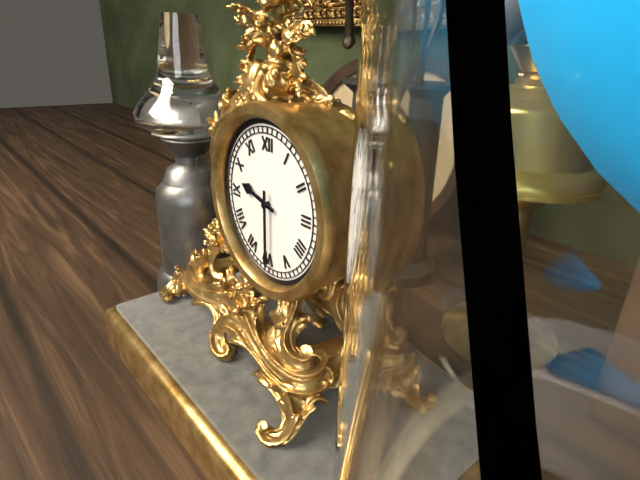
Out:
9 h 30 min
